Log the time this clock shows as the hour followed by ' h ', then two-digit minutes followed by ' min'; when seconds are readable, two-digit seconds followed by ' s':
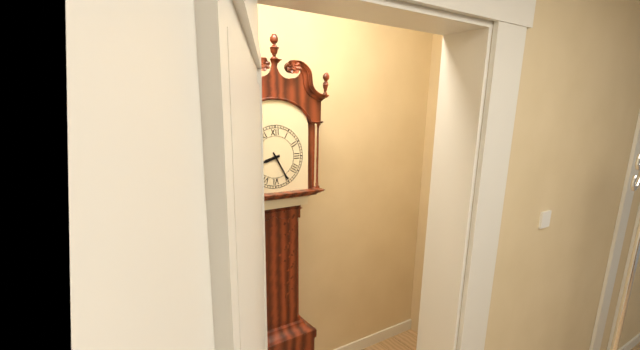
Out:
8 h 25 min
